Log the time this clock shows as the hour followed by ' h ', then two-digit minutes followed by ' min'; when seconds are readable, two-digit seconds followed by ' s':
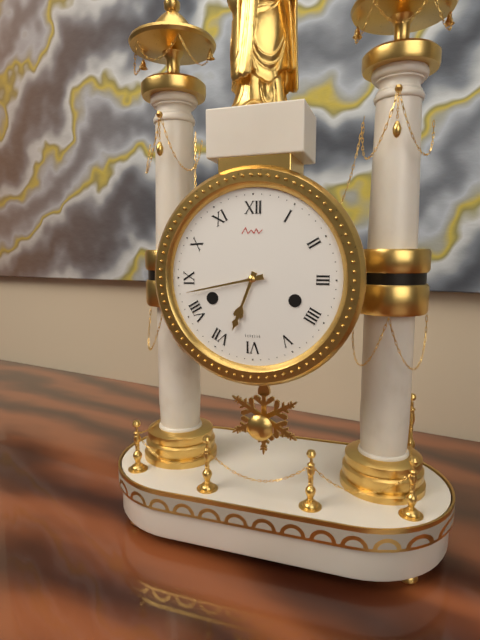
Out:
6 h 43 min
